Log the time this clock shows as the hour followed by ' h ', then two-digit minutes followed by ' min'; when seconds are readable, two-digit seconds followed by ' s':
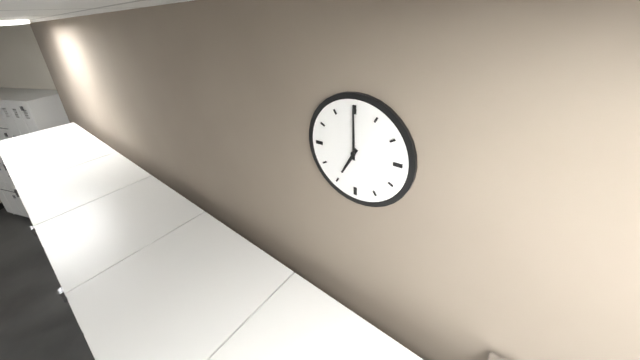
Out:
7 h 00 min
